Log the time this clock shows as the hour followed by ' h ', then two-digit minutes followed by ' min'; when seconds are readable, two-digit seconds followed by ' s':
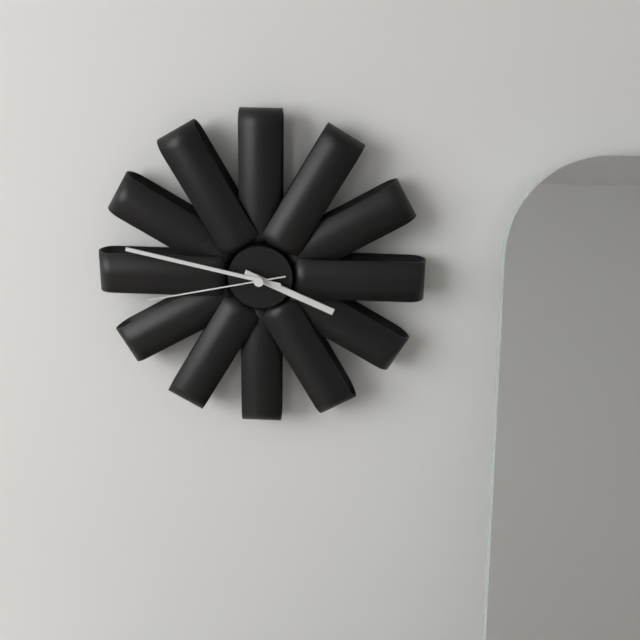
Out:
3 h 47 min 43 s
